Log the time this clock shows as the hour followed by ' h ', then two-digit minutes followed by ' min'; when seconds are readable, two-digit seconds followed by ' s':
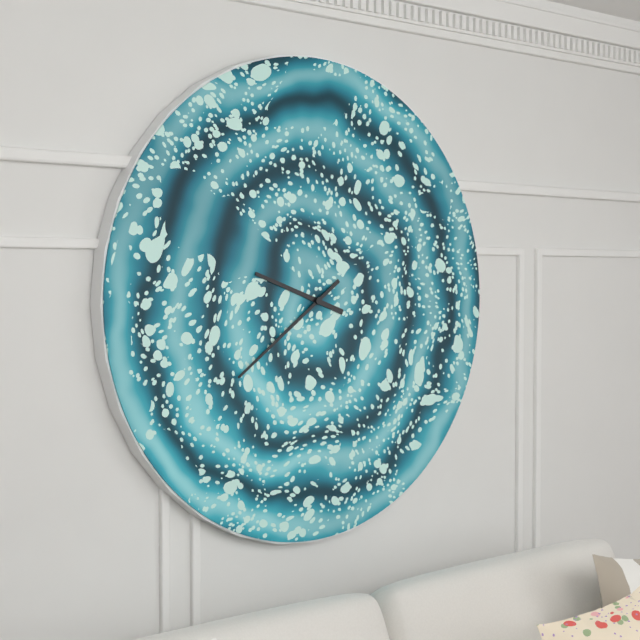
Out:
9 h 39 min
